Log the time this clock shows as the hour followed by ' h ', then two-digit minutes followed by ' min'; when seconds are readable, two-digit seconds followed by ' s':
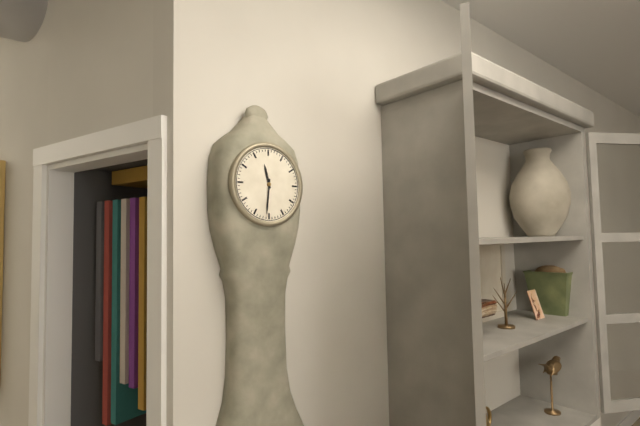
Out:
11 h 31 min
